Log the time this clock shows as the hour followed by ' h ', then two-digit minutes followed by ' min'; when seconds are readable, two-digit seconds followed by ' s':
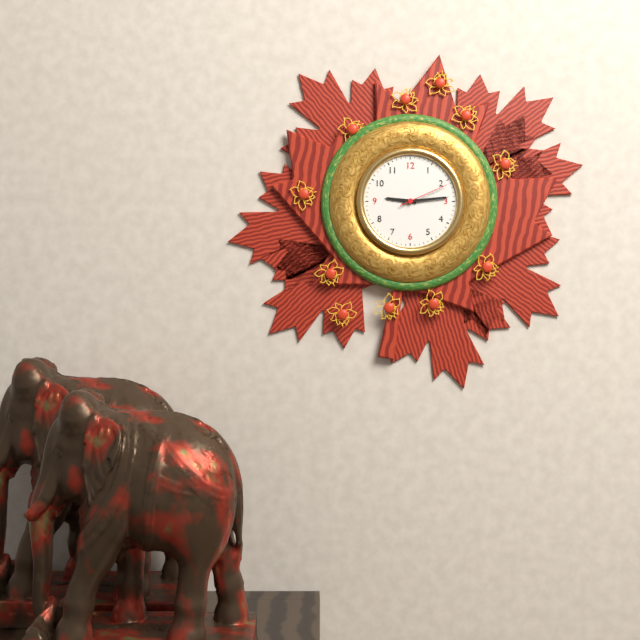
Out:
9 h 14 min 11 s
